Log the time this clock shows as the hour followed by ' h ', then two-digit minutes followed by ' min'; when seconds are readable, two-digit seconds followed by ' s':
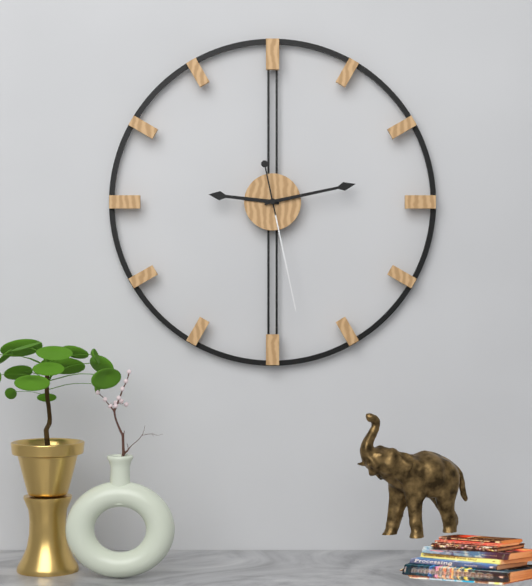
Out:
9 h 13 min 28 s
